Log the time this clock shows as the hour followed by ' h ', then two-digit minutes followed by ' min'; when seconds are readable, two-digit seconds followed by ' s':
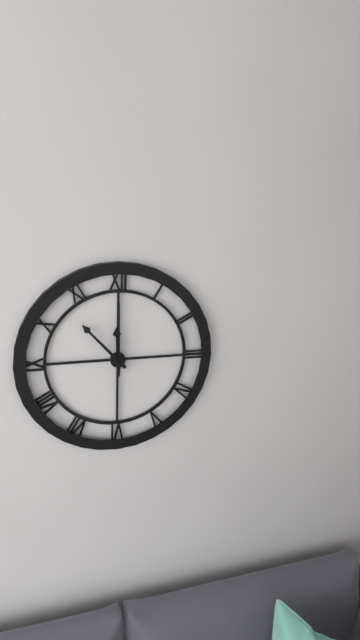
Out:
11 h 53 min 00 s
